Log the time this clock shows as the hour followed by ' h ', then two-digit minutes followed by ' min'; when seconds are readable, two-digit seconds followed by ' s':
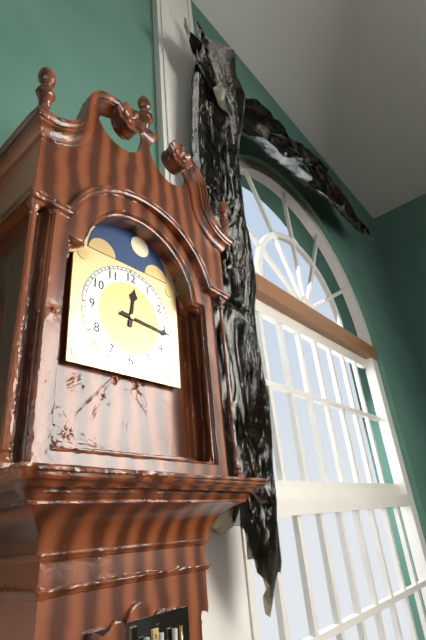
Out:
12 h 16 min
